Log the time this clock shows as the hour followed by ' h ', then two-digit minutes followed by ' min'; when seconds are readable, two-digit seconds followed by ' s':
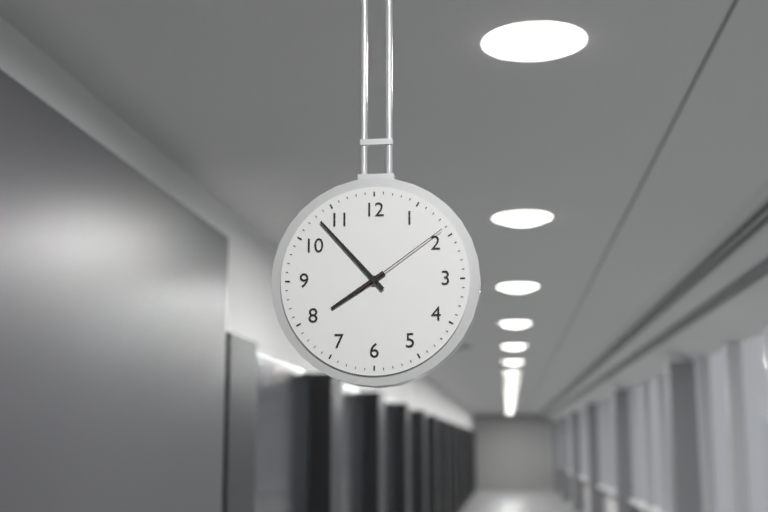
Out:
7 h 53 min 09 s
